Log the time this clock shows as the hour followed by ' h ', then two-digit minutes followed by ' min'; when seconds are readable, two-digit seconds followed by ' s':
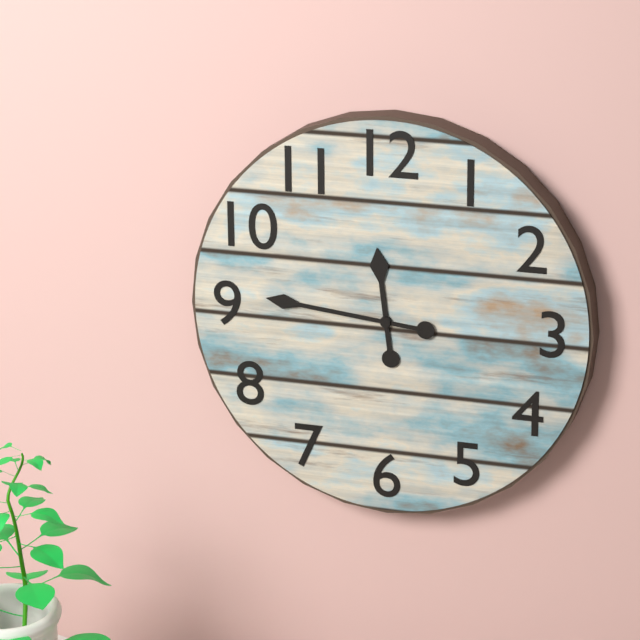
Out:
11 h 46 min
